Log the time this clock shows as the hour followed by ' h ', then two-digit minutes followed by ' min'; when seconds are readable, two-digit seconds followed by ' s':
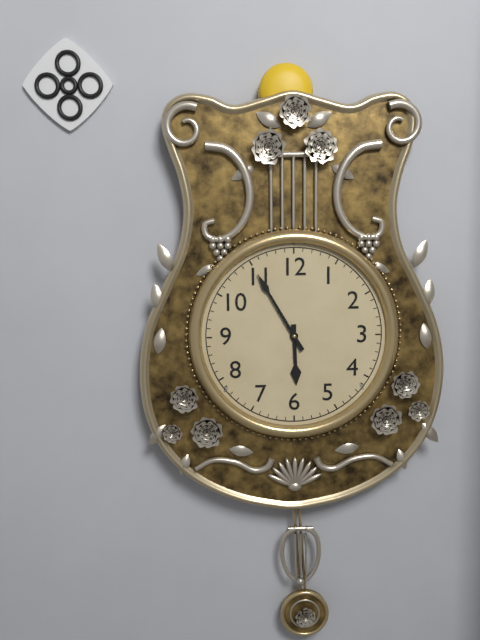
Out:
5 h 55 min
